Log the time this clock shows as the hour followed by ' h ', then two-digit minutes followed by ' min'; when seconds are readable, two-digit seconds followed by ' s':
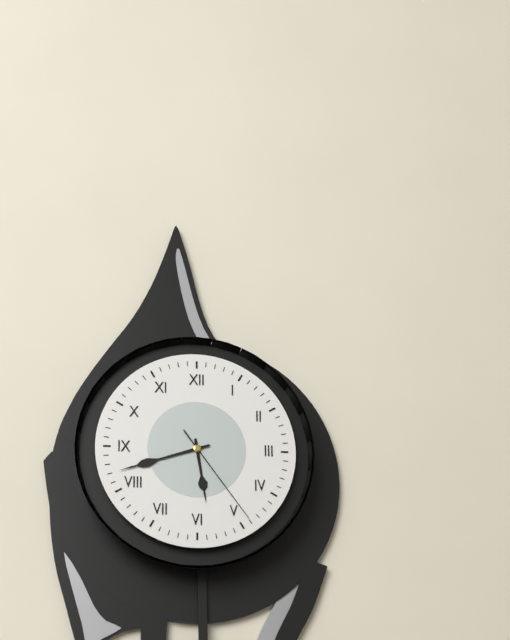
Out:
5 h 42 min 24 s
